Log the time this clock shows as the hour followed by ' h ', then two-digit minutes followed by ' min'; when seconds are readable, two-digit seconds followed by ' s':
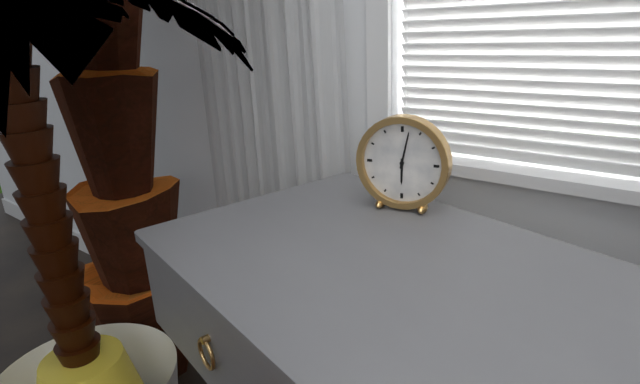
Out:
6 h 02 min
